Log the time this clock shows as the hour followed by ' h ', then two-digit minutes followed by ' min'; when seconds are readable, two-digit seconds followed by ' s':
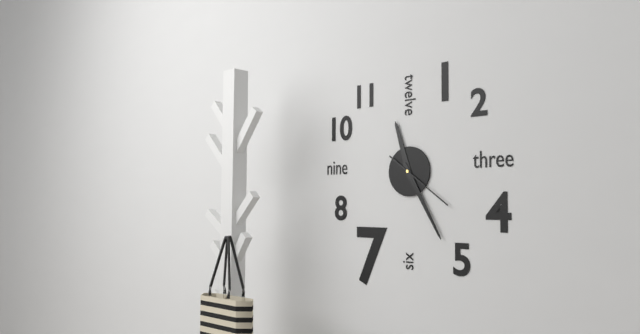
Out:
11 h 25 min 21 s
